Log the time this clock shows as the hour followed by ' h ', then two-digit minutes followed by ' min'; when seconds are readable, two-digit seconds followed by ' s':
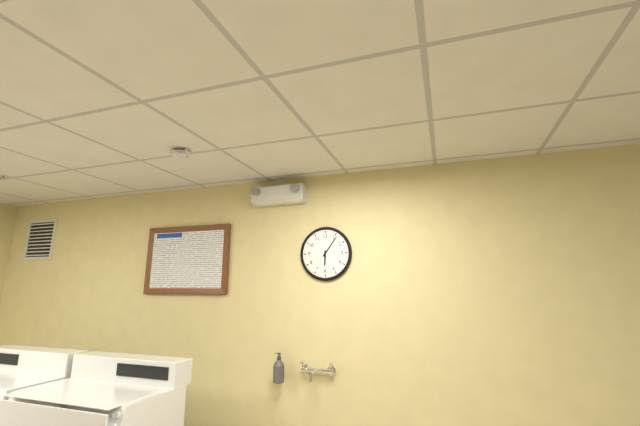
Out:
6 h 06 min
